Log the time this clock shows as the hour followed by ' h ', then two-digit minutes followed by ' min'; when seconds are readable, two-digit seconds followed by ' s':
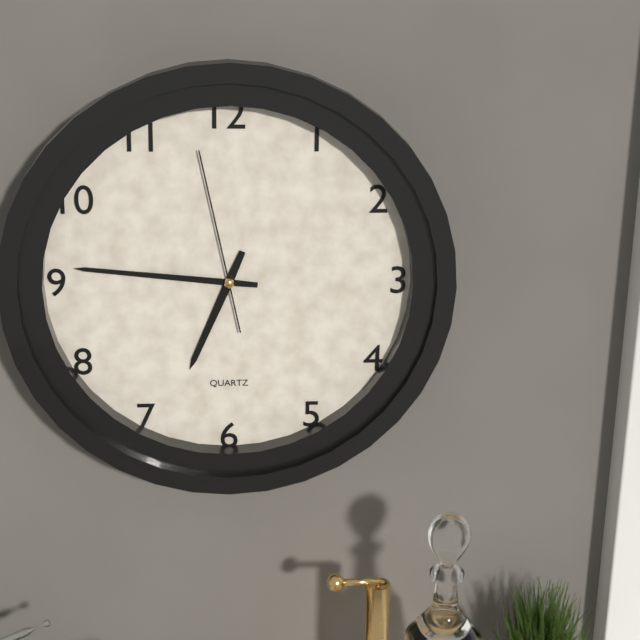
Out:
6 h 46 min 58 s
